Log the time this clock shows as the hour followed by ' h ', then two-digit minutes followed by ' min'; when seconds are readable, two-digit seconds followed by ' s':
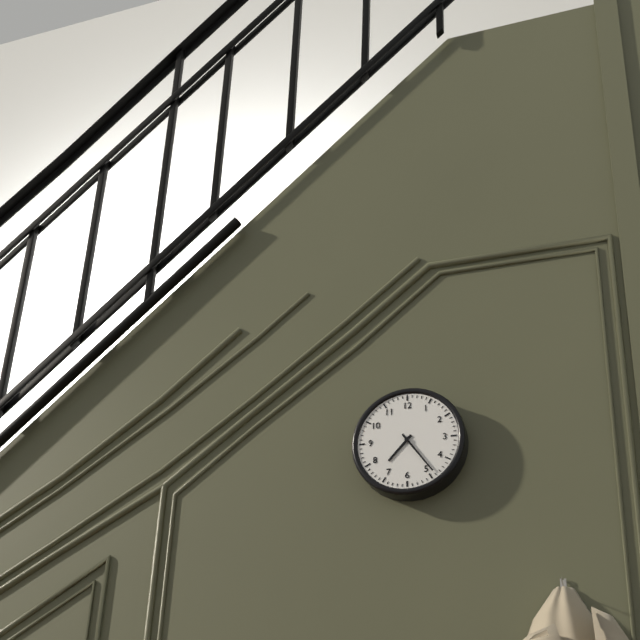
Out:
7 h 24 min
